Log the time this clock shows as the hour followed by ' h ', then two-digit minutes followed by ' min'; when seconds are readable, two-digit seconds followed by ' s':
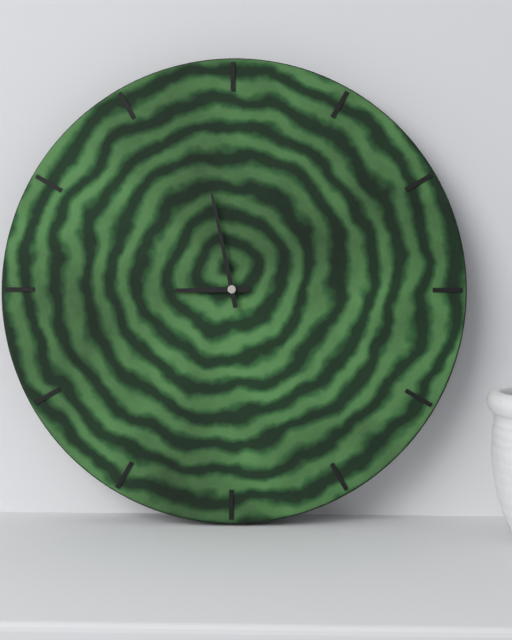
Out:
8 h 58 min
